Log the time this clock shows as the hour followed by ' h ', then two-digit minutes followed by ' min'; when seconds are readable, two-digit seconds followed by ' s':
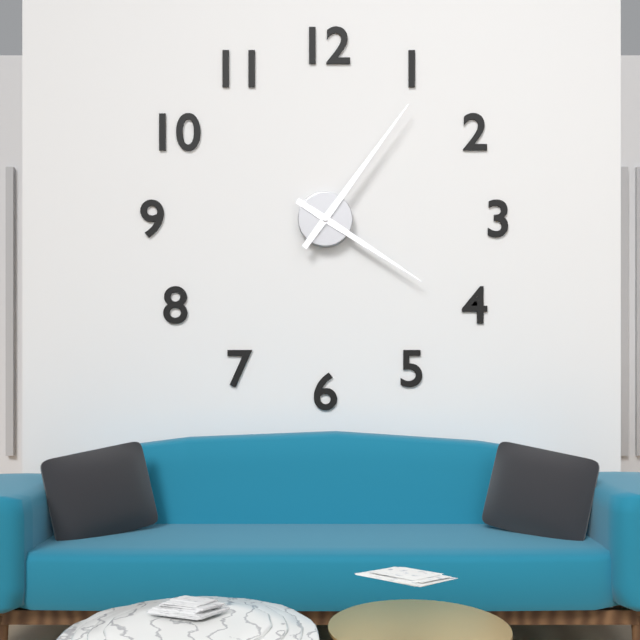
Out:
4 h 06 min
